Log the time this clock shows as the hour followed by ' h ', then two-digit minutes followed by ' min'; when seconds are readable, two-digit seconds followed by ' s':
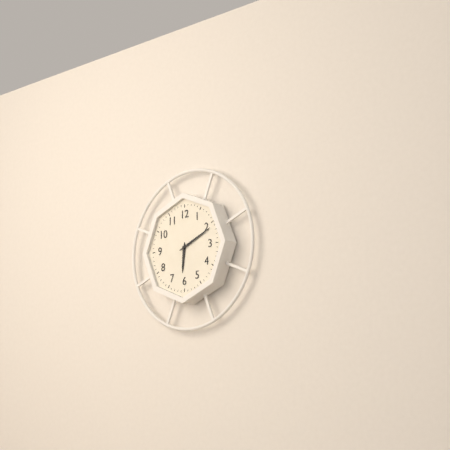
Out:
6 h 11 min
